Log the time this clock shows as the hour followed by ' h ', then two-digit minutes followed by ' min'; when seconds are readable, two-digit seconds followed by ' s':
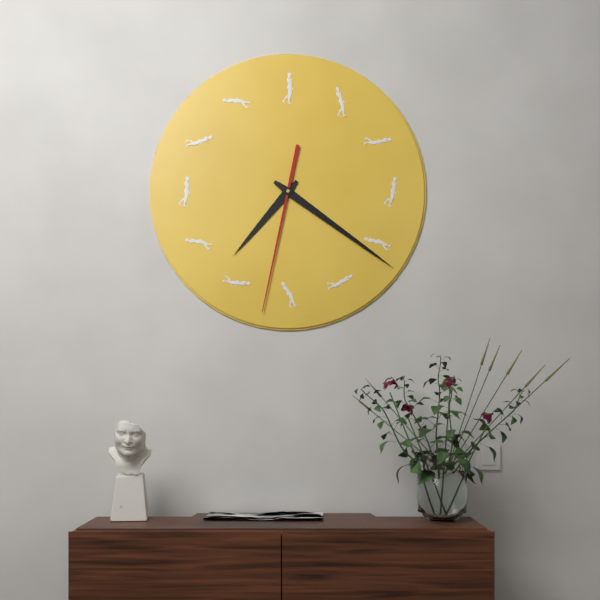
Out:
7 h 21 min 32 s
